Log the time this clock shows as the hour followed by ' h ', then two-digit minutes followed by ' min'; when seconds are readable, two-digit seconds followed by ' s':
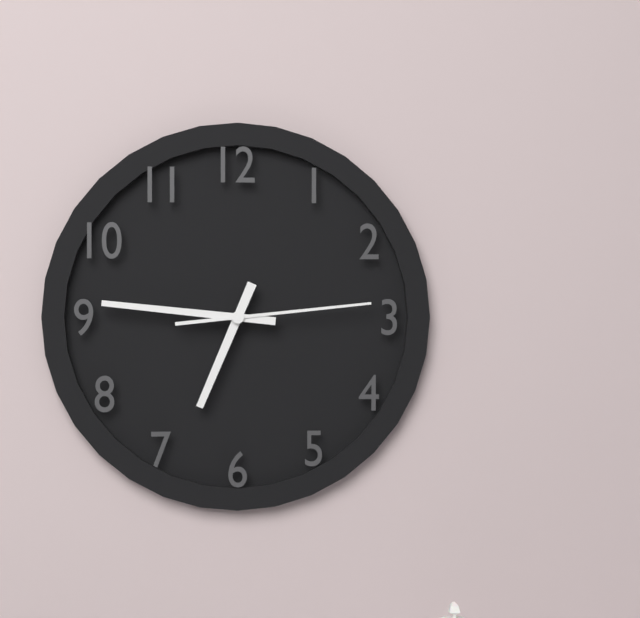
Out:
6 h 46 min 14 s
